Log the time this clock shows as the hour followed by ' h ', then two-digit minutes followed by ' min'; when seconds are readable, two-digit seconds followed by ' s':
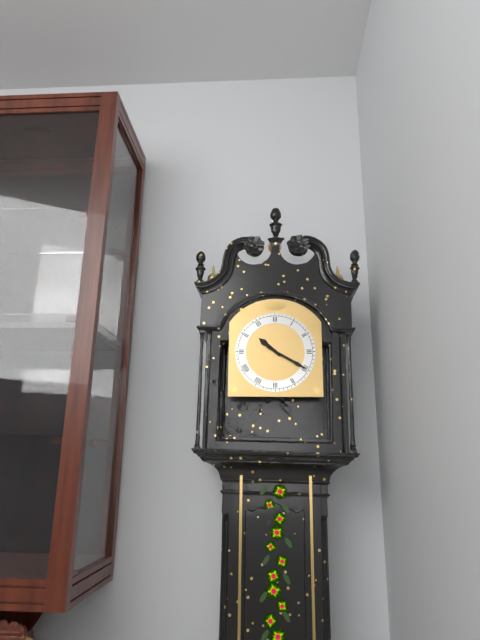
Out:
10 h 20 min
